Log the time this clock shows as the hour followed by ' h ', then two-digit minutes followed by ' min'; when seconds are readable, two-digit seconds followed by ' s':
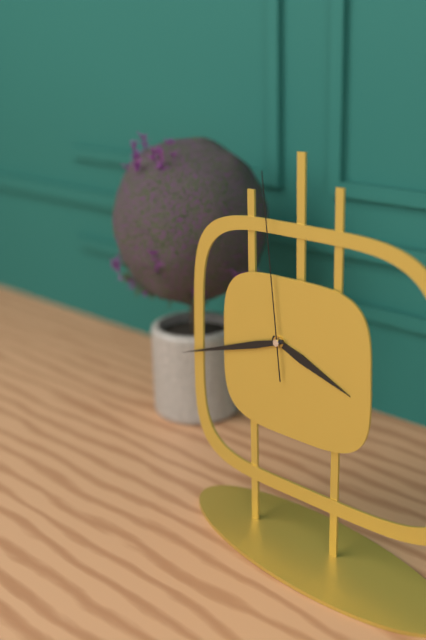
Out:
3 h 42 min 59 s
